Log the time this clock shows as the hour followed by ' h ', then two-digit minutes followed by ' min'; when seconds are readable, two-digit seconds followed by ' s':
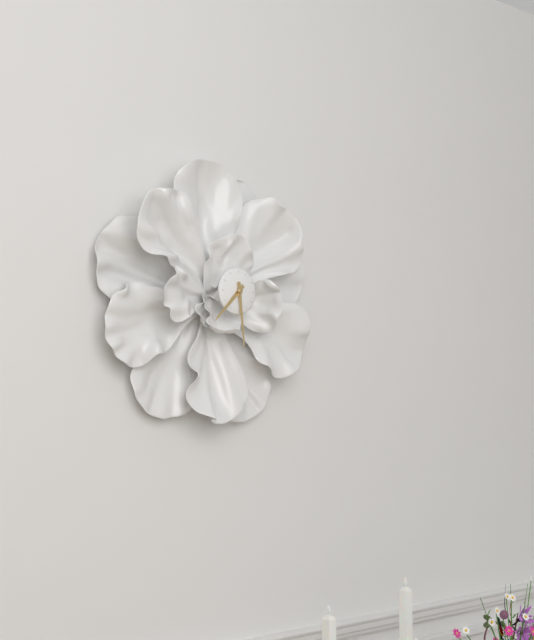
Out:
7 h 29 min
